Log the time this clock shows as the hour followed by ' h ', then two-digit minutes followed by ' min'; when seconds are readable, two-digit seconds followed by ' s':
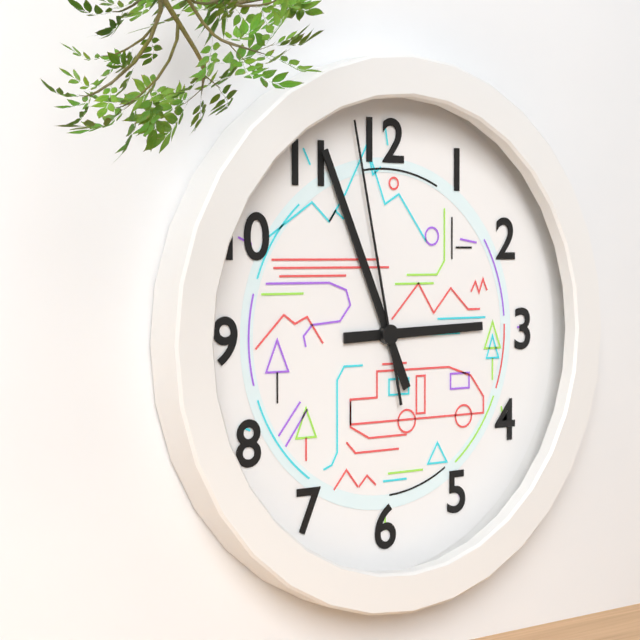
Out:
2 h 56 min 58 s
